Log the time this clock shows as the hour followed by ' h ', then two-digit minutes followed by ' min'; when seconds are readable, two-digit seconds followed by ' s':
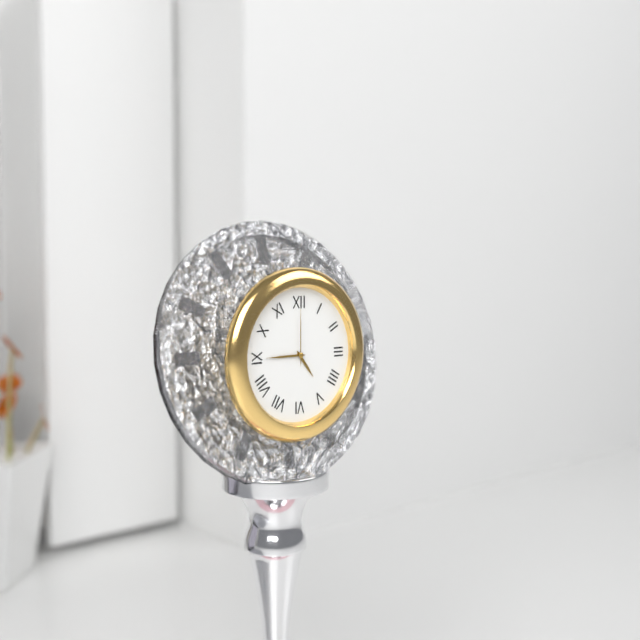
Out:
4 h 45 min 00 s
